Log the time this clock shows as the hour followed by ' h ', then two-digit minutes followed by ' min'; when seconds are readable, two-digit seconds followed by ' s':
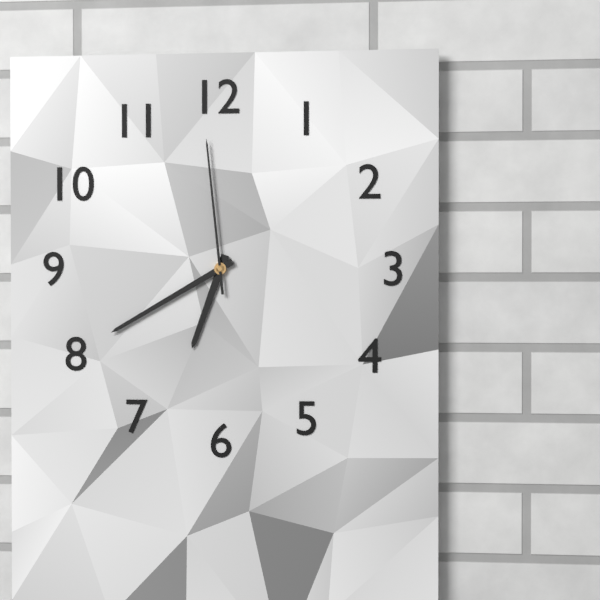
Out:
6 h 40 min 59 s
